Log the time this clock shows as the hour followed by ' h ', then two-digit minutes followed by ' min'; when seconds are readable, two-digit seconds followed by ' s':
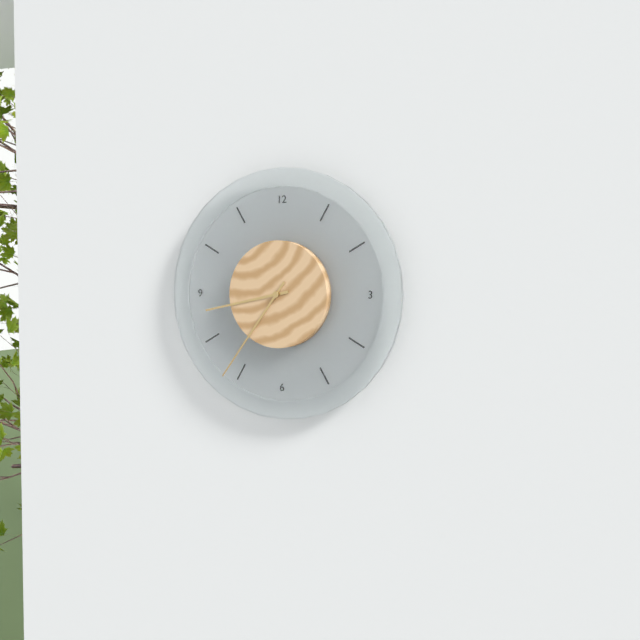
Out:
8 h 36 min
